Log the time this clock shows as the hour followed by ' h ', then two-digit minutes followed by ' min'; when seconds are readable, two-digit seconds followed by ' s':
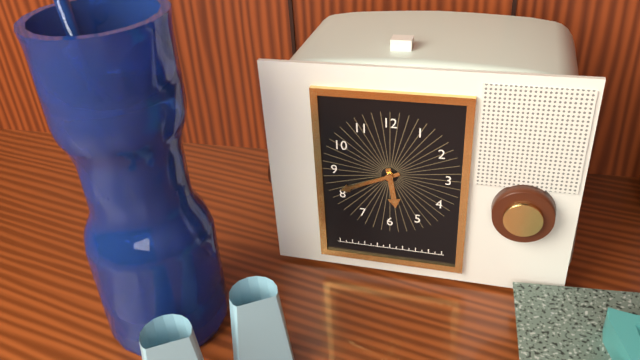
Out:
5 h 41 min
